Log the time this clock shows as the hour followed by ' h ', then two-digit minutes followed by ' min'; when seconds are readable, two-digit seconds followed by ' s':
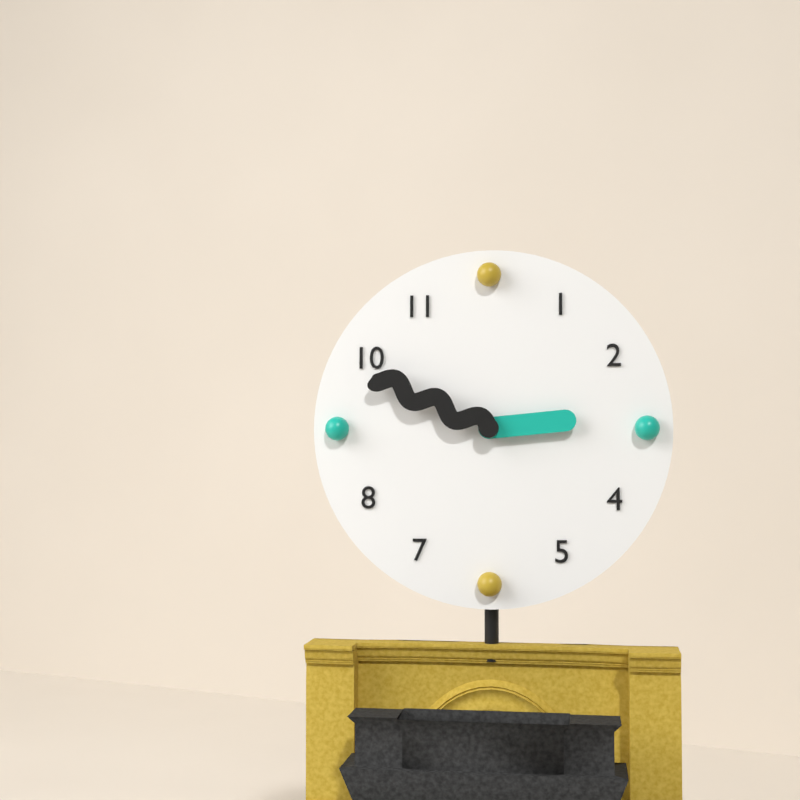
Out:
2 h 49 min
